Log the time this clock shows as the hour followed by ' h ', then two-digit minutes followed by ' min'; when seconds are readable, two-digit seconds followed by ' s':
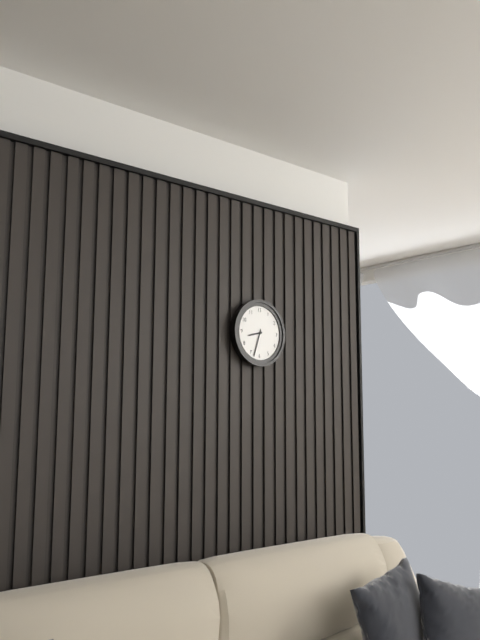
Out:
8 h 33 min
